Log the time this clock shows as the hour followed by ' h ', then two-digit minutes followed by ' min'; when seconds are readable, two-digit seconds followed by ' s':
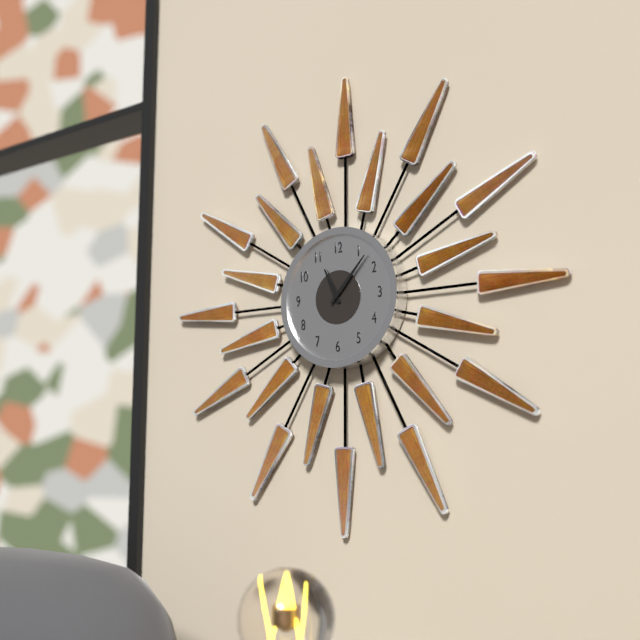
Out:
11 h 07 min
